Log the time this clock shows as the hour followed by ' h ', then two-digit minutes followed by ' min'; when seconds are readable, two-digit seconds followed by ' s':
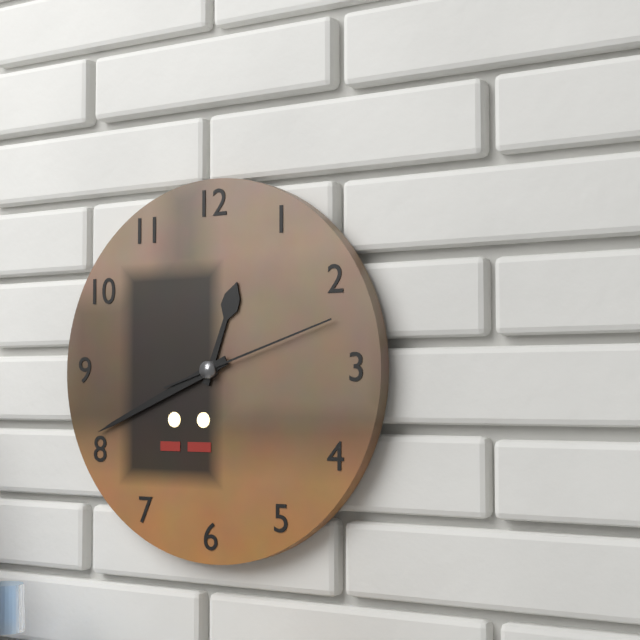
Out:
12 h 41 min 12 s
